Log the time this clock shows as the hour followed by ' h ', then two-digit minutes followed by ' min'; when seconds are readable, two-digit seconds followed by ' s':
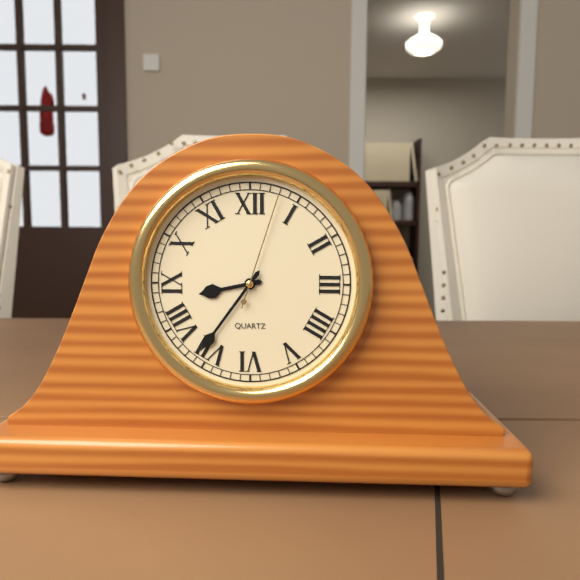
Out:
8 h 36 min 03 s
